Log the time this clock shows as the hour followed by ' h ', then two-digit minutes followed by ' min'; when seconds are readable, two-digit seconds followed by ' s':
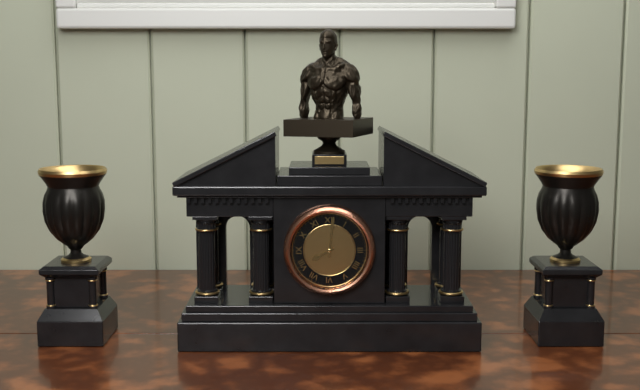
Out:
8 h 01 min
